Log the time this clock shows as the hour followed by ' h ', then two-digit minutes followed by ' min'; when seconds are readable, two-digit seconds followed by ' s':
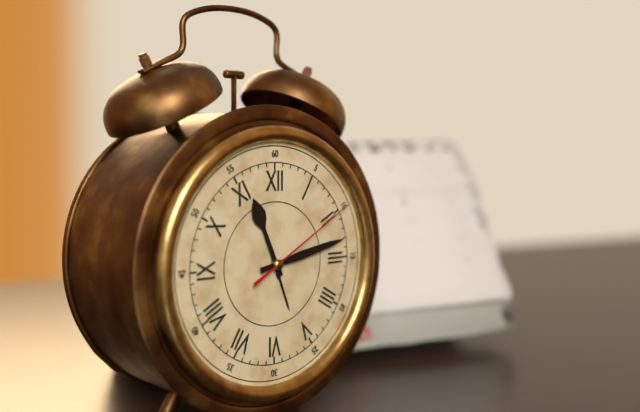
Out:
11 h 13 min 10 s
